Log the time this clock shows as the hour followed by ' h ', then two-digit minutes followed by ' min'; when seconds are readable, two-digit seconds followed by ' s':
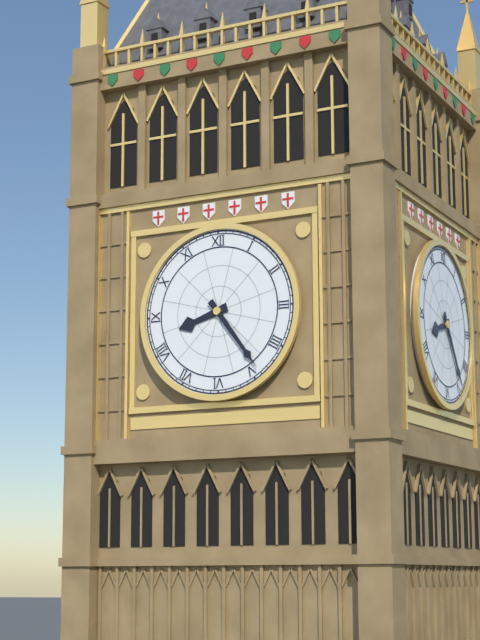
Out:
8 h 24 min
